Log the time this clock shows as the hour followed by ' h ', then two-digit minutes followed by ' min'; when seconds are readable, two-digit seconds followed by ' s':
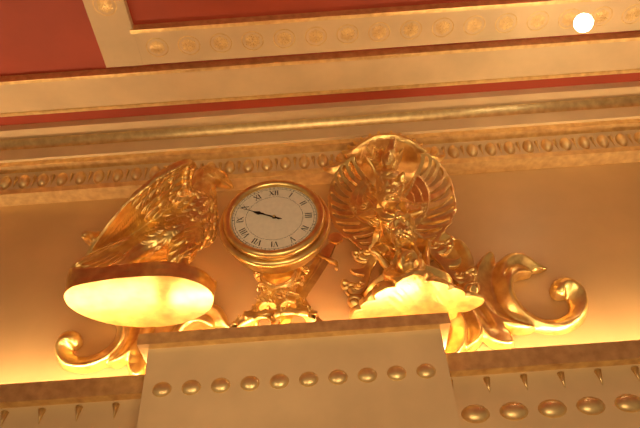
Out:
9 h 49 min
